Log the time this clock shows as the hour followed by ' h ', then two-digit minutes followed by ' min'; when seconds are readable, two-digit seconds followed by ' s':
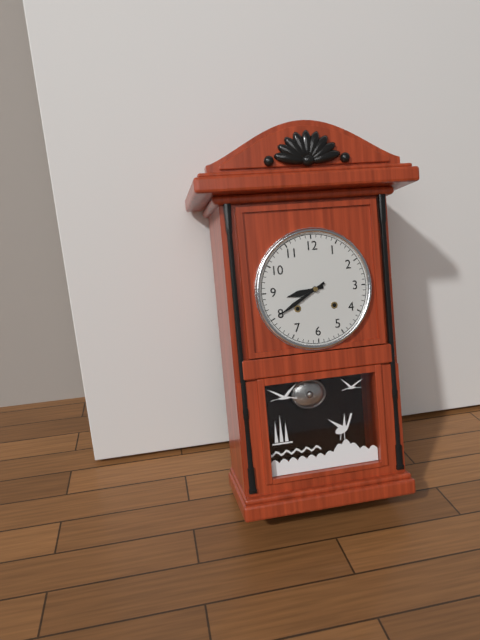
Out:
8 h 40 min
